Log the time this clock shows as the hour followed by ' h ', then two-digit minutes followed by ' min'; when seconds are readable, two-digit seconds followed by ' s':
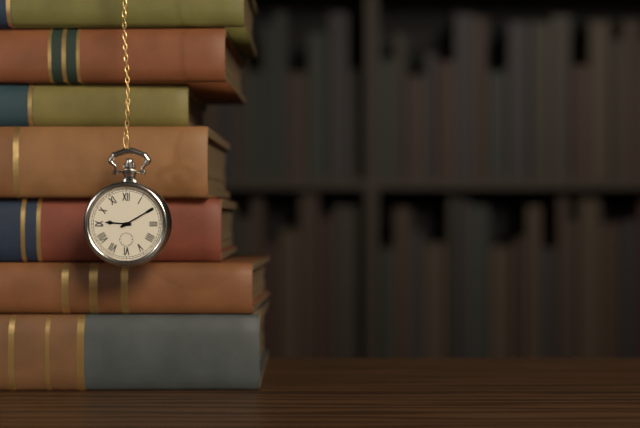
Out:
9 h 10 min
